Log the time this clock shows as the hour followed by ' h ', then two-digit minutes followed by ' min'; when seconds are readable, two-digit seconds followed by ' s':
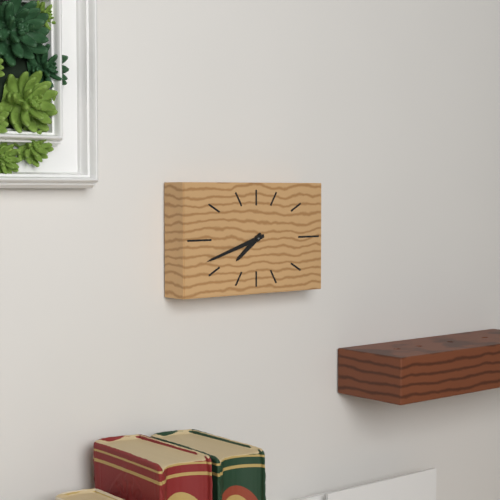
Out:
7 h 42 min
